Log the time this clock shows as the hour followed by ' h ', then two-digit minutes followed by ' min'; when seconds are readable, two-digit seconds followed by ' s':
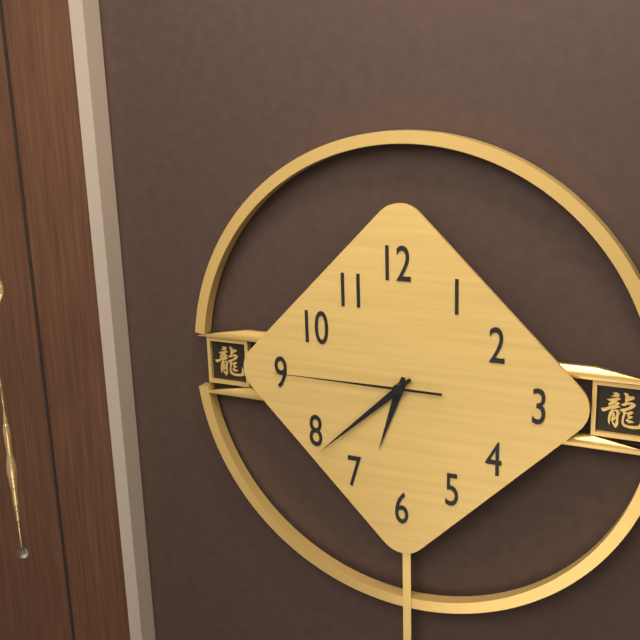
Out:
6 h 38 min 45 s
